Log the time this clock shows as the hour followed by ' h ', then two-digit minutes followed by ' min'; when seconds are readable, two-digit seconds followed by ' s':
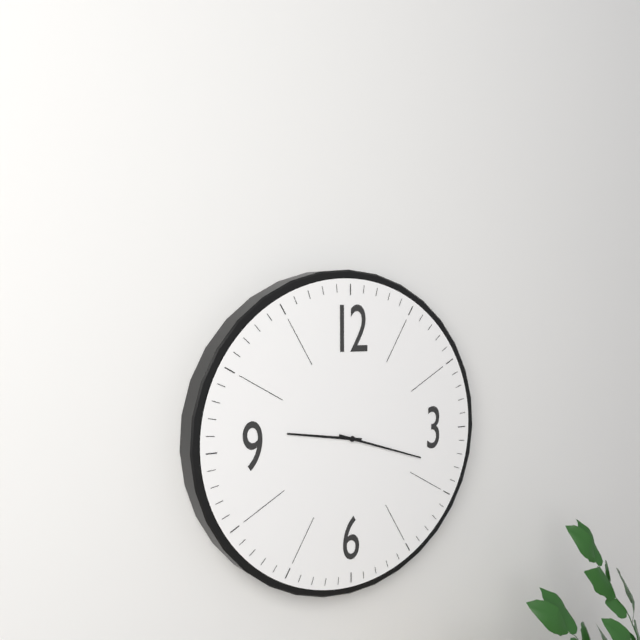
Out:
9 h 18 min
